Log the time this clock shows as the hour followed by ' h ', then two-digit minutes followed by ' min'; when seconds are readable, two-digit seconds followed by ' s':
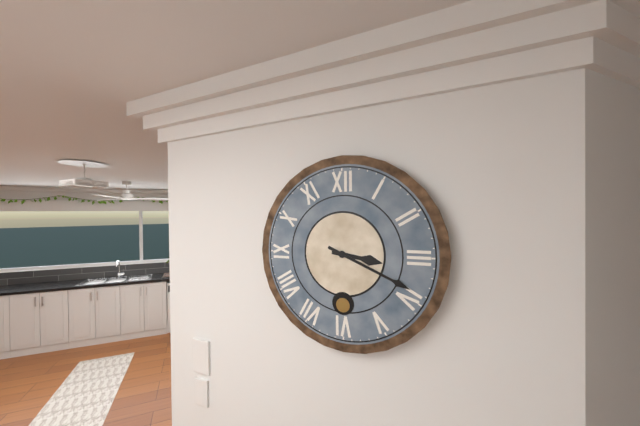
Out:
3 h 19 min
